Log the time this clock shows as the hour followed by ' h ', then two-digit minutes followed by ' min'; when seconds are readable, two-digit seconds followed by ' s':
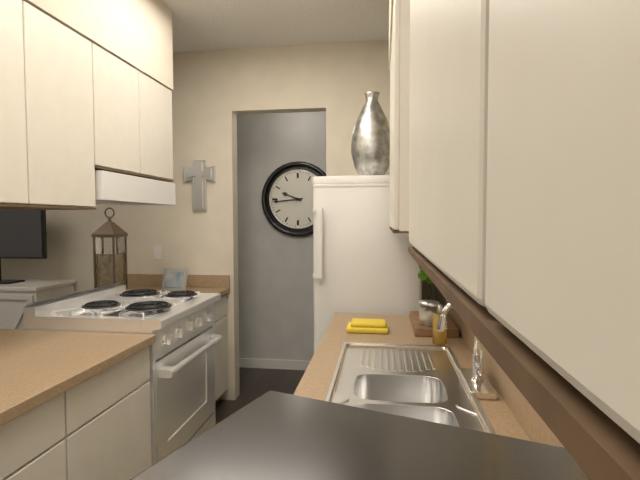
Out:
9 h 44 min
